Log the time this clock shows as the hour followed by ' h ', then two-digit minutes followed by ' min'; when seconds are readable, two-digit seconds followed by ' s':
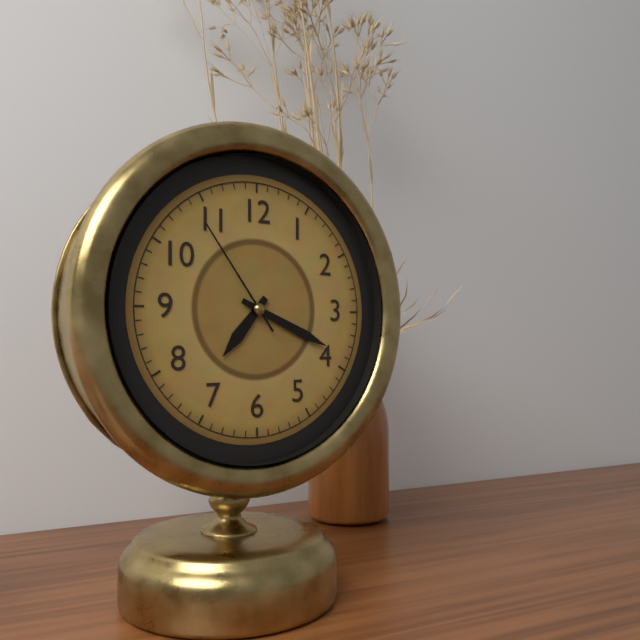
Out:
7 h 19 min 54 s
